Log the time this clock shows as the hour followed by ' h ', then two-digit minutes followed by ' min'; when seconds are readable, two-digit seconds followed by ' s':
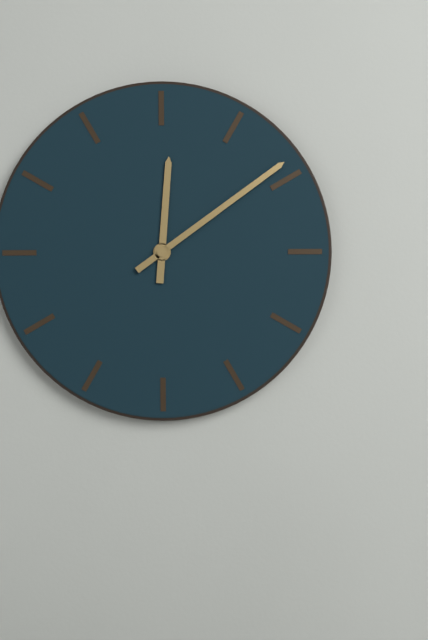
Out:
12 h 09 min
